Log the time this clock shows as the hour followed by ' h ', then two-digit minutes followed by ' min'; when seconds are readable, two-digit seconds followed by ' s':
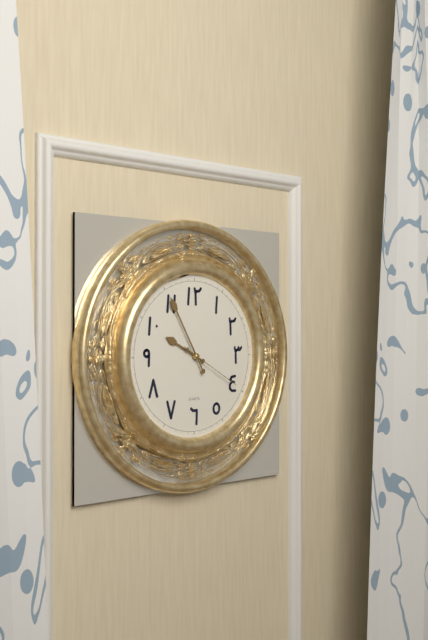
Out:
9 h 55 min 20 s
